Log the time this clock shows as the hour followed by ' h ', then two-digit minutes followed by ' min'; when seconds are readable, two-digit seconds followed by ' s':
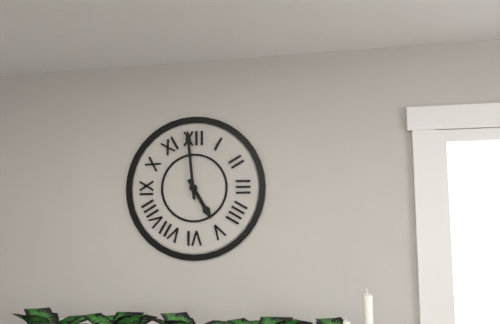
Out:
4 h 59 min
